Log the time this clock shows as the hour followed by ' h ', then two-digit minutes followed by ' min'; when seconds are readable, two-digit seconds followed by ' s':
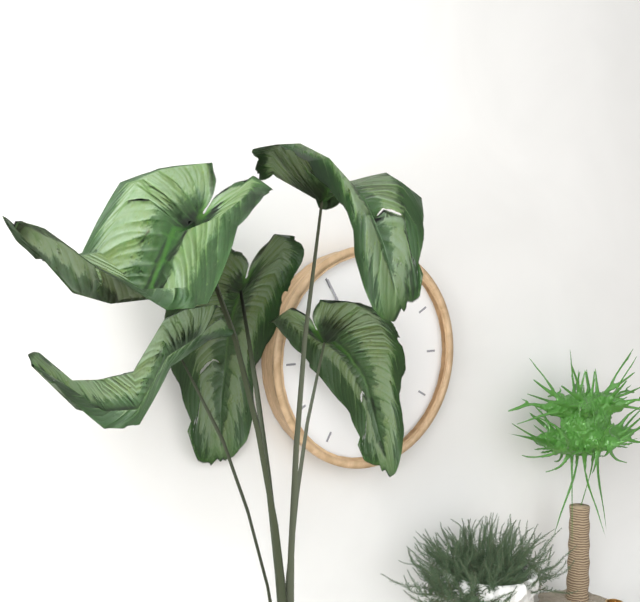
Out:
12 h 55 min
